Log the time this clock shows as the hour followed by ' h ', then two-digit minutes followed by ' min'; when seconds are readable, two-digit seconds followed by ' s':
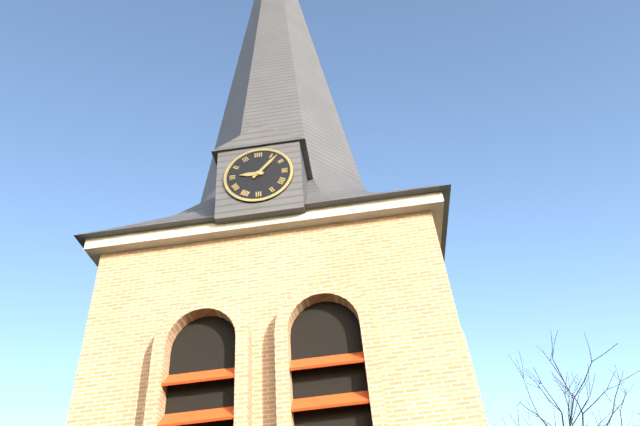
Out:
9 h 07 min
